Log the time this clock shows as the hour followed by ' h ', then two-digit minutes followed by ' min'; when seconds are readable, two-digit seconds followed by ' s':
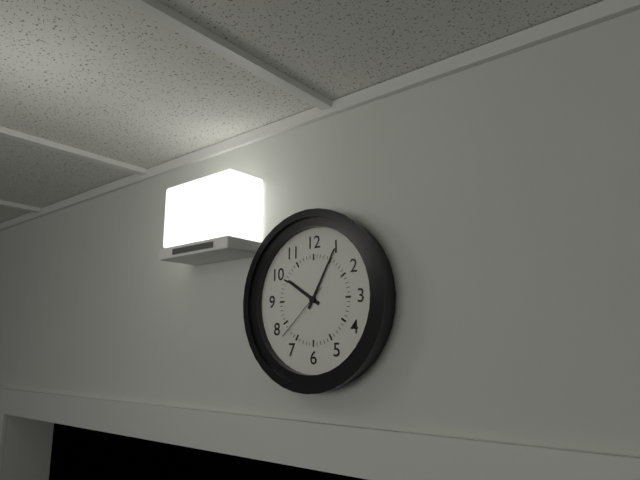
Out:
10 h 05 min 38 s
